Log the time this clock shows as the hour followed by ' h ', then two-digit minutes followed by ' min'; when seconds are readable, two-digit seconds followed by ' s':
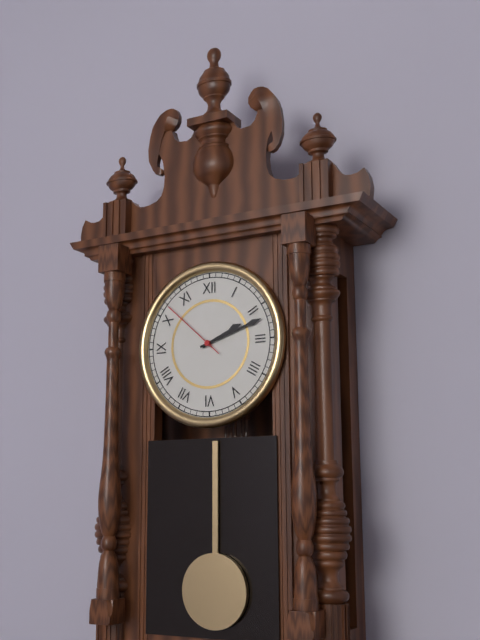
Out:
2 h 12 min 52 s
